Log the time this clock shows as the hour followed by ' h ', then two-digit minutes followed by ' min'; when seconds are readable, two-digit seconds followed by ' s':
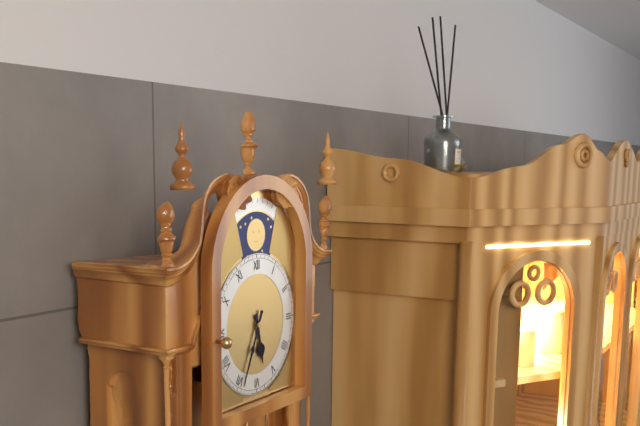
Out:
5 h 34 min
